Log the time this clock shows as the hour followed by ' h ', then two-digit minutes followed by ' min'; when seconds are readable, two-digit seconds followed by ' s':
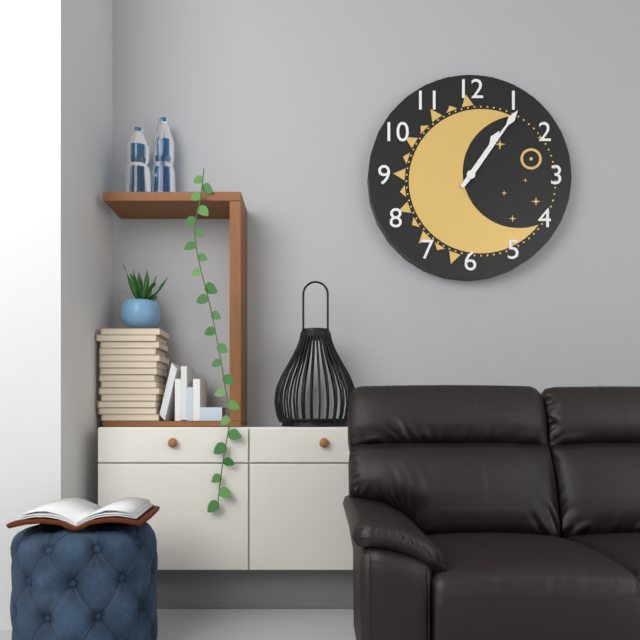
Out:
1 h 06 min
